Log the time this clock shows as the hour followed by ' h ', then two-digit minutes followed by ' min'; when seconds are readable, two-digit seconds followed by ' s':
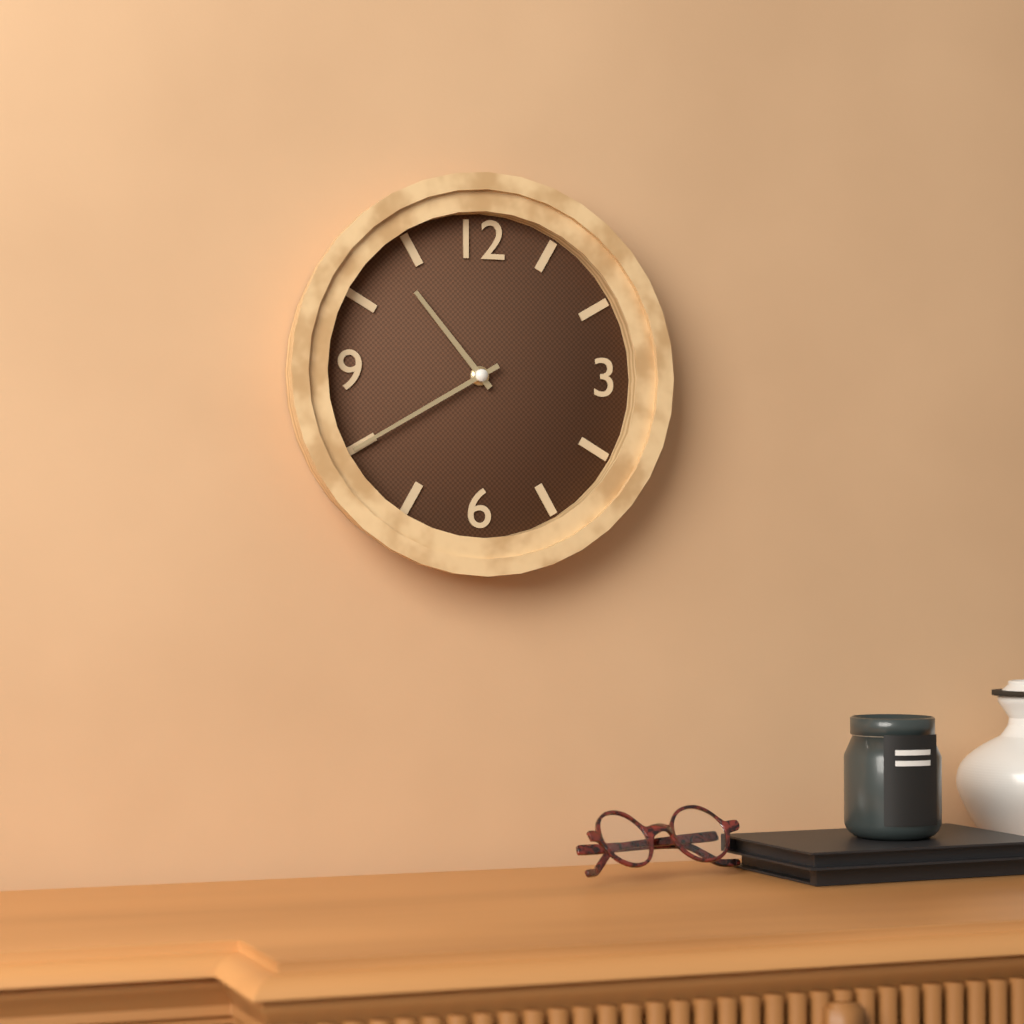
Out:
10 h 40 min
